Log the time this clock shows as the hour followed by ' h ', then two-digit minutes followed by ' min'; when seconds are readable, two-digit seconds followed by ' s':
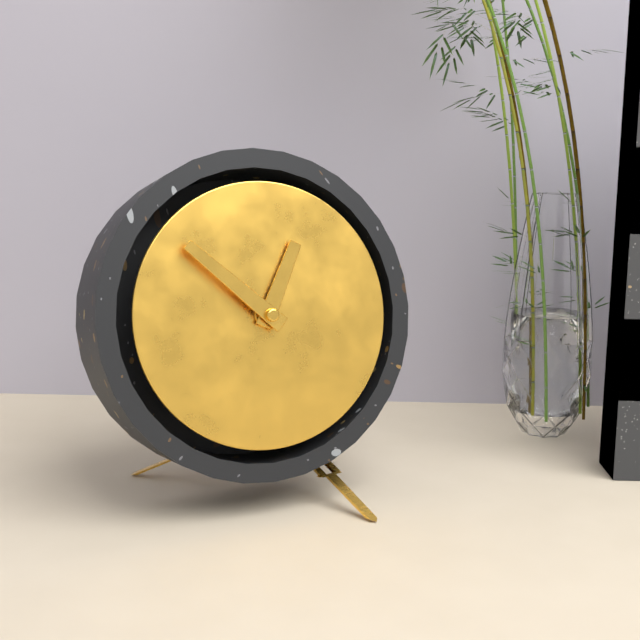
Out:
12 h 52 min
